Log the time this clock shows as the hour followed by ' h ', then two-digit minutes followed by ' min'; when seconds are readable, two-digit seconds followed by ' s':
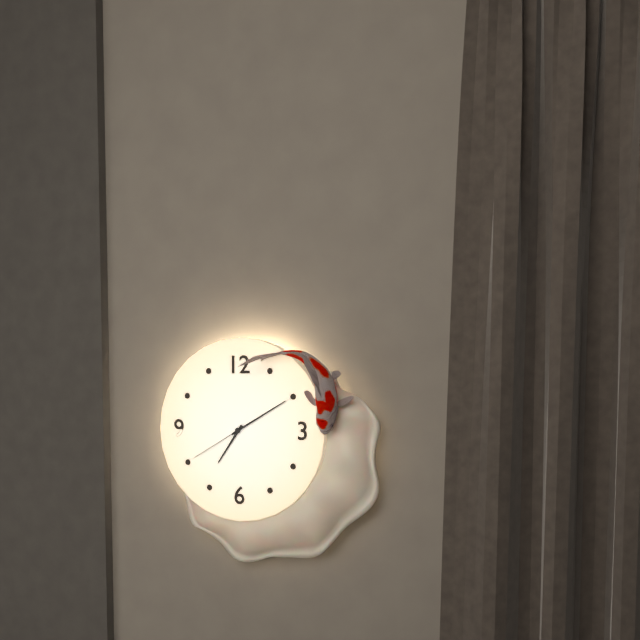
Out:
7 h 10 min 40 s
